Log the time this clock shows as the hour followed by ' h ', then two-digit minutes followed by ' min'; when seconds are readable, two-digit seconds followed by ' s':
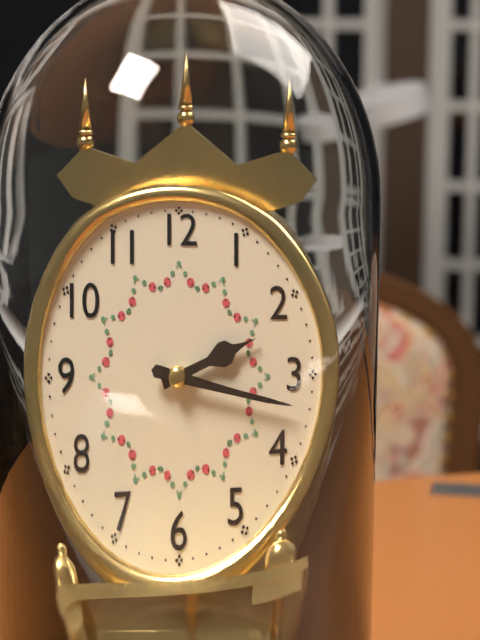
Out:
2 h 17 min
